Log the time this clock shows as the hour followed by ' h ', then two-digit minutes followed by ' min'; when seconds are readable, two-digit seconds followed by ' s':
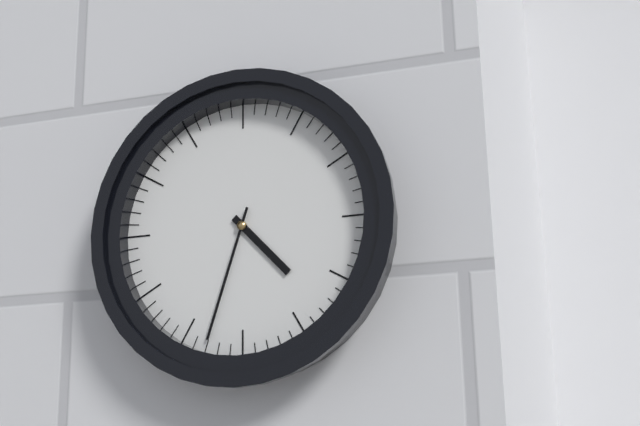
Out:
4 h 33 min
